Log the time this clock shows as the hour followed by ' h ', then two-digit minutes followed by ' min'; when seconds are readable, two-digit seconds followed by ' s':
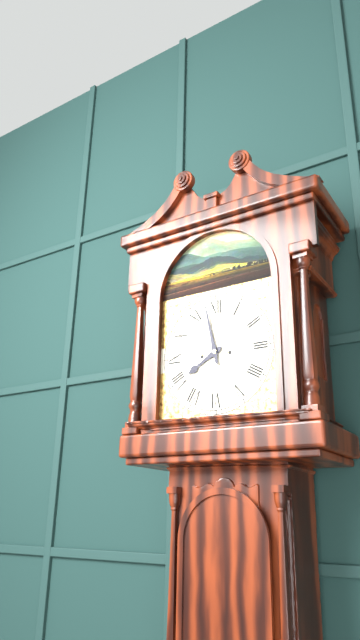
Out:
7 h 58 min
